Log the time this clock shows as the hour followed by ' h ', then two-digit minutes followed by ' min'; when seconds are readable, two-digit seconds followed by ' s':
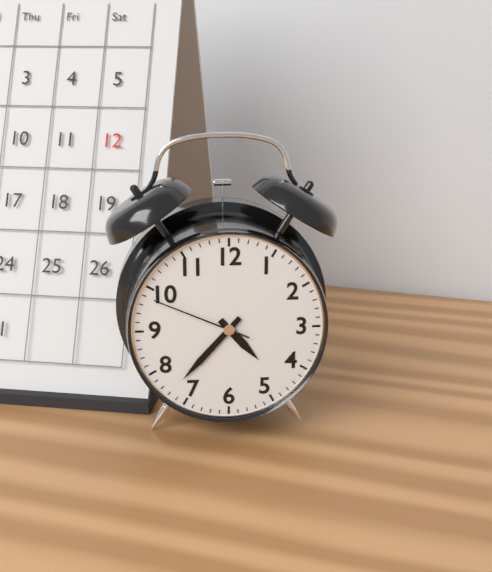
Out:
4 h 37 min 49 s
